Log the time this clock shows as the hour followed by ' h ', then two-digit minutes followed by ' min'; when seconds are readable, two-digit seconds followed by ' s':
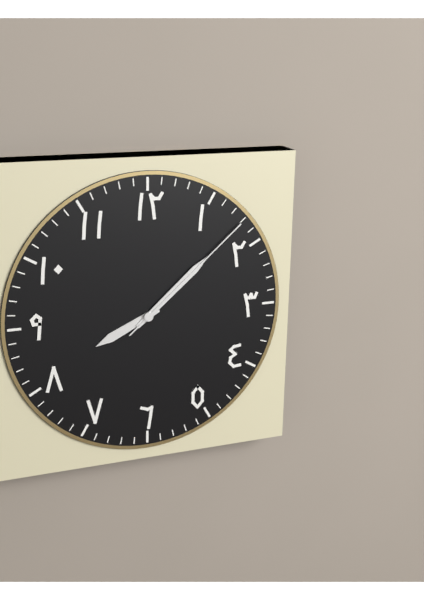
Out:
8 h 08 min 08 s
